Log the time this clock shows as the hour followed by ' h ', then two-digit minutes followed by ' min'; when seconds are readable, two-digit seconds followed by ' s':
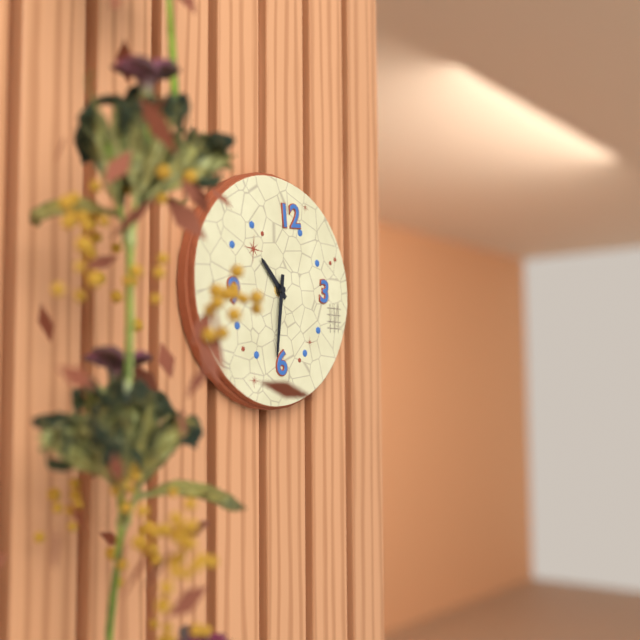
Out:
10 h 31 min
